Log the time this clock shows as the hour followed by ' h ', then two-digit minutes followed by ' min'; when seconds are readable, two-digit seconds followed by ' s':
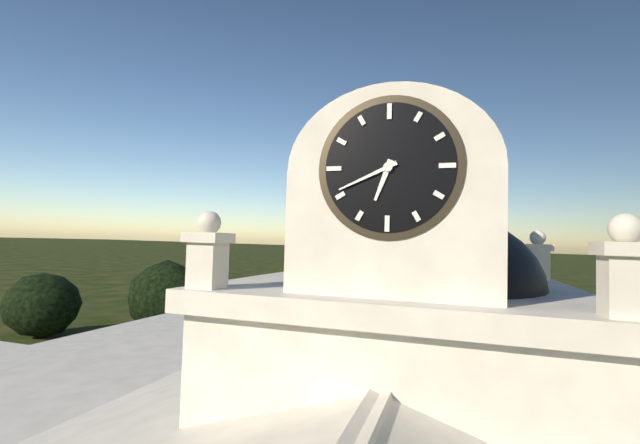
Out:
6 h 41 min
